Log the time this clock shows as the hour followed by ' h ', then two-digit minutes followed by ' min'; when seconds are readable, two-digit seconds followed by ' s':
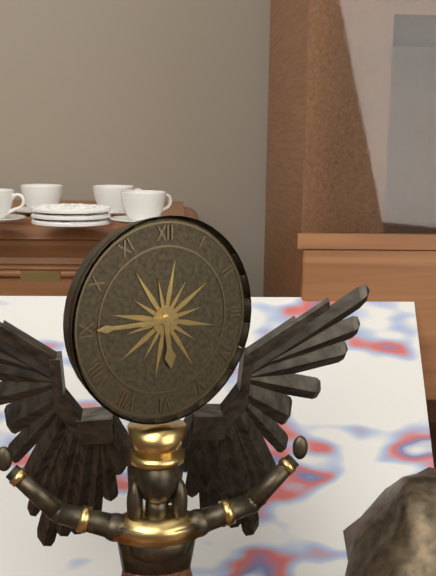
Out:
5 h 45 min
